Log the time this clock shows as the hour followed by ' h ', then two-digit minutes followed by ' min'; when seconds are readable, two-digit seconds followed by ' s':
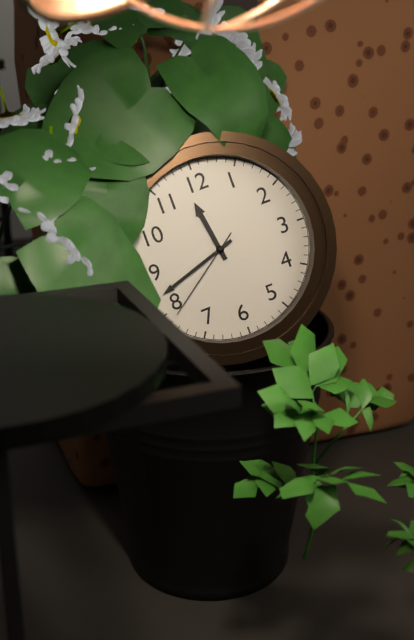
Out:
11 h 42 min 39 s
